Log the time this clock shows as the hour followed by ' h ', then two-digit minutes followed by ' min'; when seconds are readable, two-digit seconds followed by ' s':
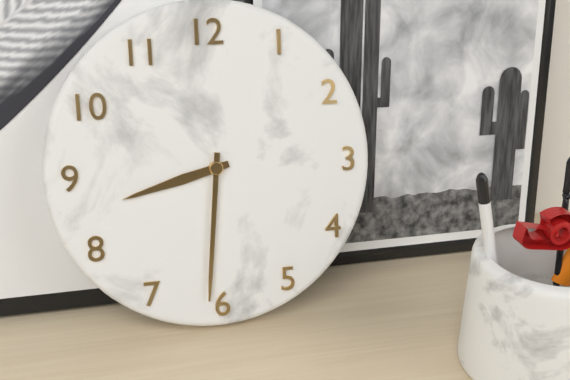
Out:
8 h 31 min
